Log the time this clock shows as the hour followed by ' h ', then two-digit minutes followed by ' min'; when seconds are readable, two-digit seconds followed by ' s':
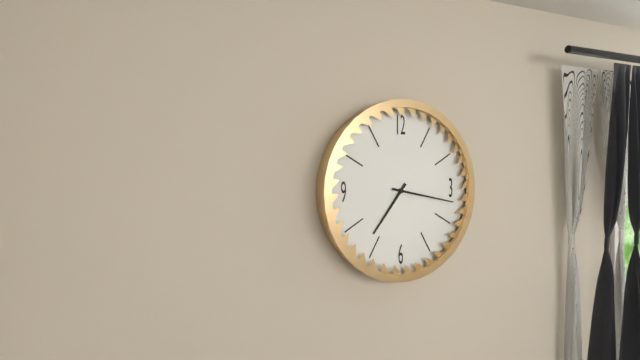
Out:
7 h 17 min
